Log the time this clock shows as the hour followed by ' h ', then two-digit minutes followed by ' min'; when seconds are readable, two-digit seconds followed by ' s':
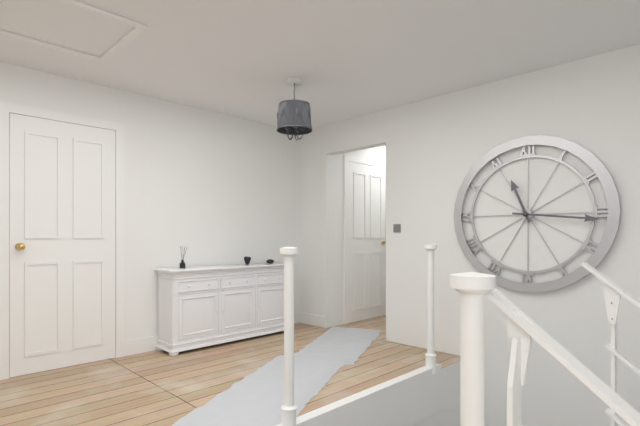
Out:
11 h 16 min
